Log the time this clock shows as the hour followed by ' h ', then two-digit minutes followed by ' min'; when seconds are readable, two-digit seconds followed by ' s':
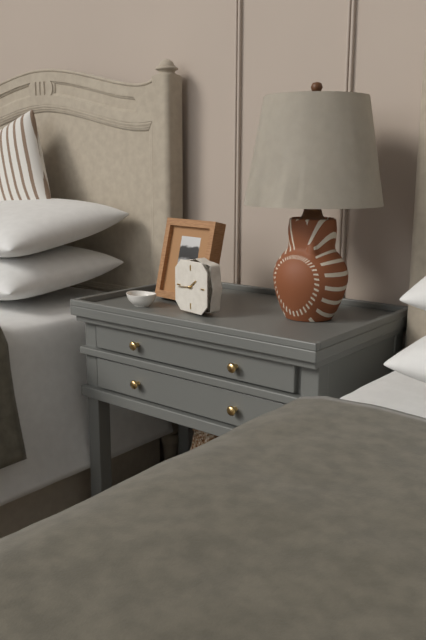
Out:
1 h 44 min
